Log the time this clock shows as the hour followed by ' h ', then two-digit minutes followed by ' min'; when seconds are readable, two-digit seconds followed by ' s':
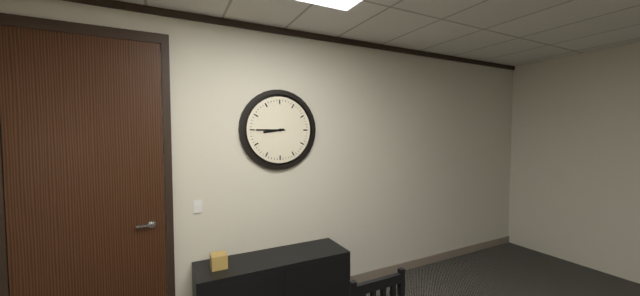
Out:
8 h 45 min
